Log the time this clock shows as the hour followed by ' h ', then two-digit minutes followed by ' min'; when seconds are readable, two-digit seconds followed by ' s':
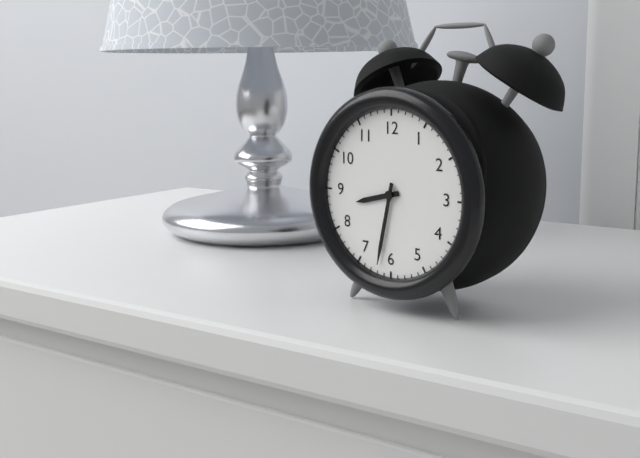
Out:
8 h 32 min
